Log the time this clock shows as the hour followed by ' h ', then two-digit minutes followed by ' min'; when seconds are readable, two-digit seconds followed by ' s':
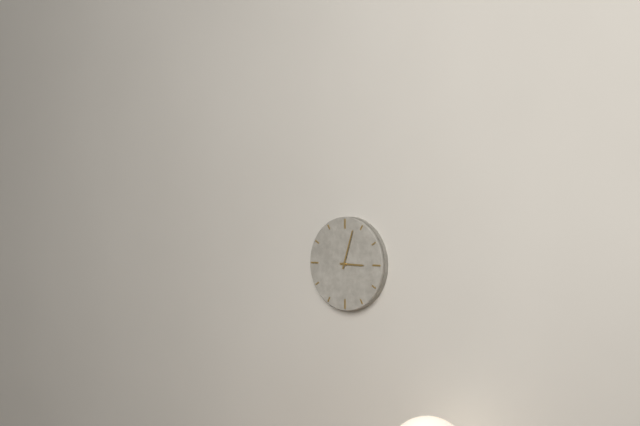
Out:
3 h 03 min
